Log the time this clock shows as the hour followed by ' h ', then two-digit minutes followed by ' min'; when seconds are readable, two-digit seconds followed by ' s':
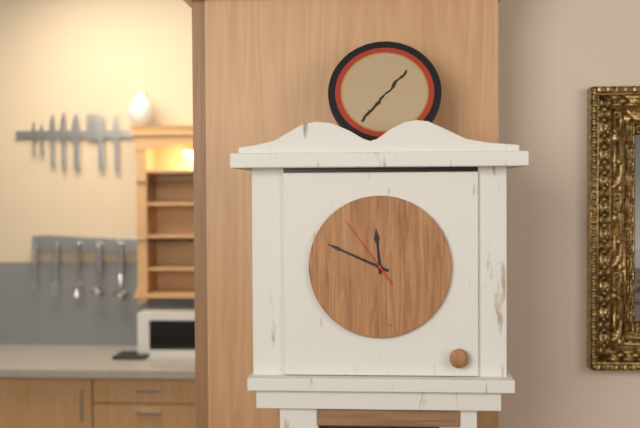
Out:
11 h 49 min 54 s
